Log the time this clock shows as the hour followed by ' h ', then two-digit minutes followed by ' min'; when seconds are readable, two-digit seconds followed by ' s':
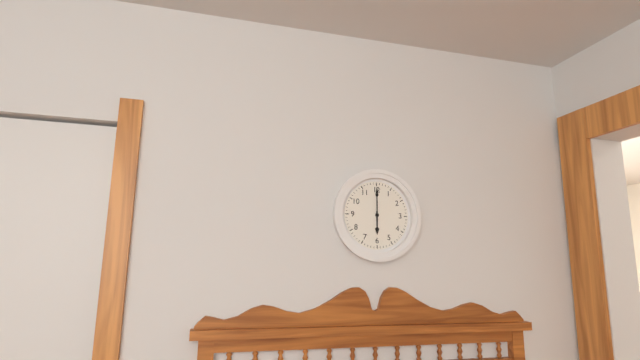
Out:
6 h 00 min
